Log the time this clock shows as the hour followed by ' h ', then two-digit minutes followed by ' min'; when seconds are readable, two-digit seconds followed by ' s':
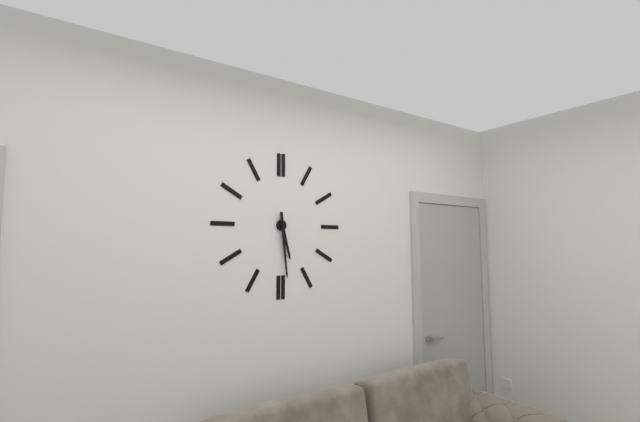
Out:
5 h 29 min
